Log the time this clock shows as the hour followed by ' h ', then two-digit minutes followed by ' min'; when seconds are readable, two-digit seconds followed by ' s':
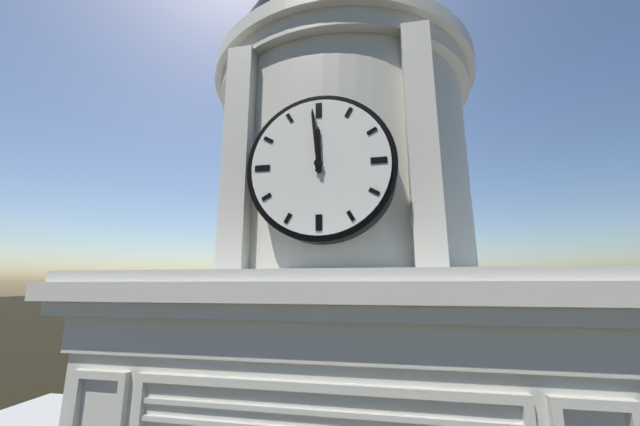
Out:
11 h 59 min
